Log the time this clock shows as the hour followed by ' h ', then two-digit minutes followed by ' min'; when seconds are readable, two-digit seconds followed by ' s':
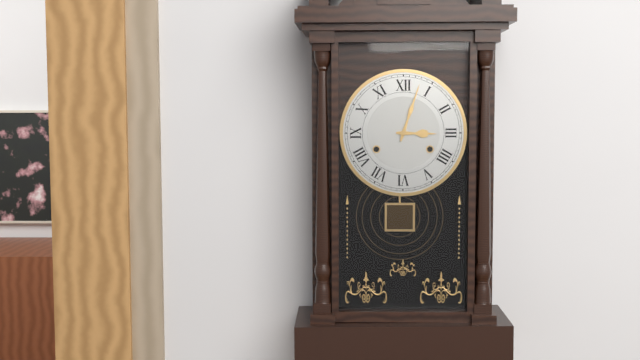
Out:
3 h 03 min
